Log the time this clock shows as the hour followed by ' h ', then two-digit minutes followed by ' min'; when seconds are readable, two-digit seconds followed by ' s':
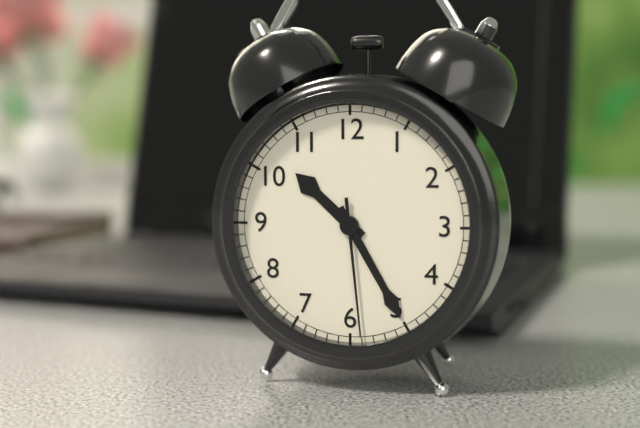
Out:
10 h 25 min 29 s
